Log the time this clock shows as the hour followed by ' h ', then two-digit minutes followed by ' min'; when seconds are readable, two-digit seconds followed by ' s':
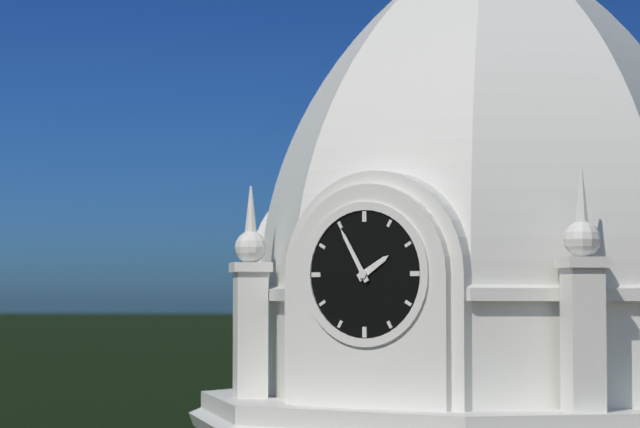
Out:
1 h 55 min
